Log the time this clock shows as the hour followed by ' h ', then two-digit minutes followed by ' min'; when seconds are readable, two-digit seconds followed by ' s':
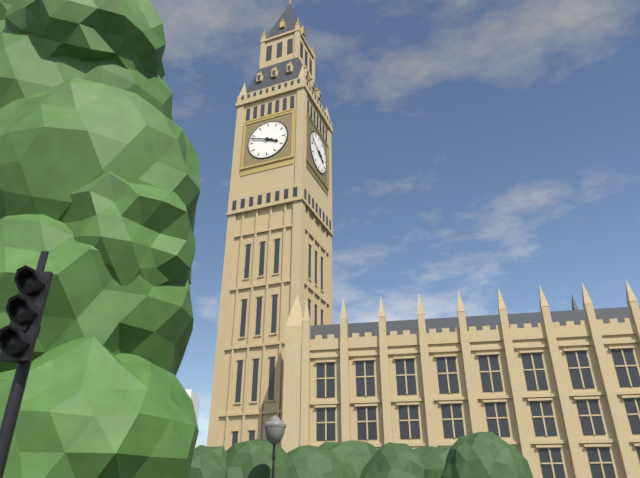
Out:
3 h 48 min
